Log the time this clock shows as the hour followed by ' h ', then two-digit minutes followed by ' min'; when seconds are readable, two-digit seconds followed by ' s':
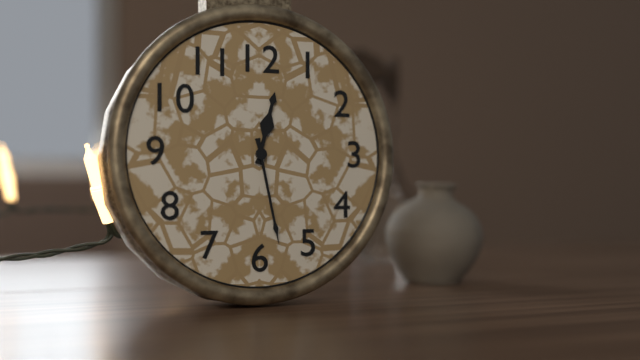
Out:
12 h 28 min
